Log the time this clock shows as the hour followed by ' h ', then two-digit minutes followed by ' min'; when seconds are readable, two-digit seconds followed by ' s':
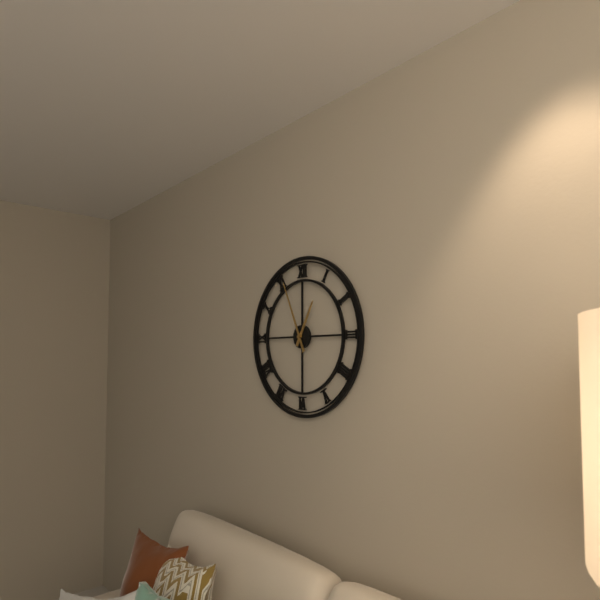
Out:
12 h 56 min
